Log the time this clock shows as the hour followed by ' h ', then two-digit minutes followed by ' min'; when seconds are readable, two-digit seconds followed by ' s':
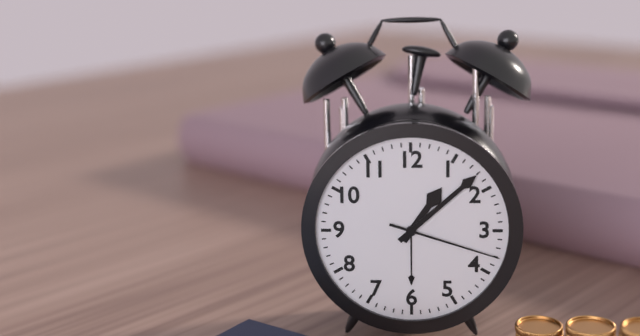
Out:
1 h 08 min 18 s
